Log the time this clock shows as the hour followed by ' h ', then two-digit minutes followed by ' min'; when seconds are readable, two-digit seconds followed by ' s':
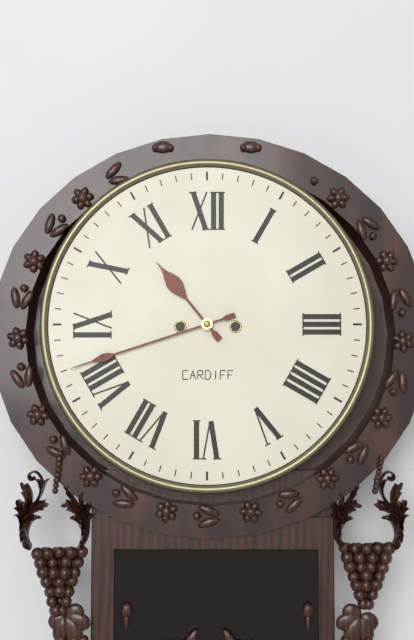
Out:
10 h 42 min
